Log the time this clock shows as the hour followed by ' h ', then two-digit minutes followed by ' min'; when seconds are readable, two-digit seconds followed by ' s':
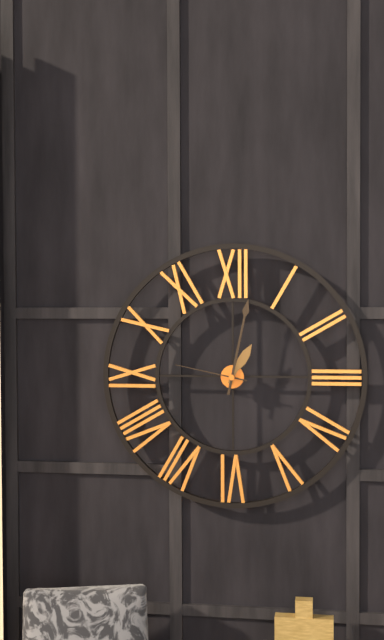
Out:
1 h 02 min 47 s
